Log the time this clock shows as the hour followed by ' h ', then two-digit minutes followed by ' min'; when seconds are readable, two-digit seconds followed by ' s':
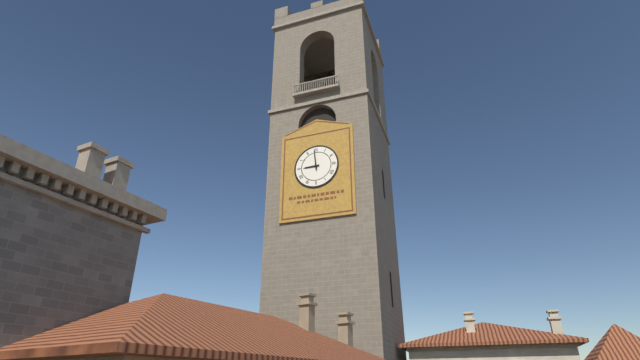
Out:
8 h 59 min
